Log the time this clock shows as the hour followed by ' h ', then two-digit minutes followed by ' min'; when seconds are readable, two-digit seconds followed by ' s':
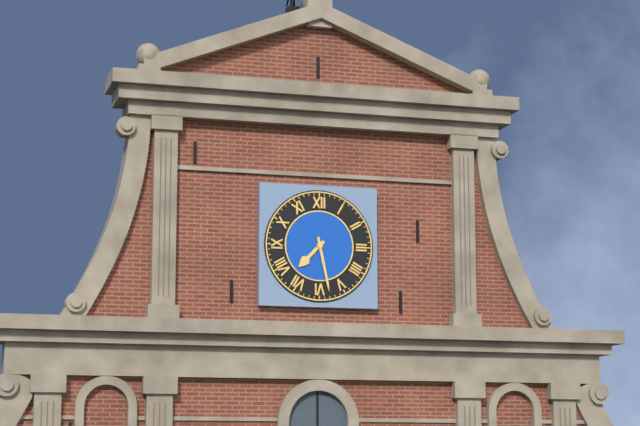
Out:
7 h 28 min
